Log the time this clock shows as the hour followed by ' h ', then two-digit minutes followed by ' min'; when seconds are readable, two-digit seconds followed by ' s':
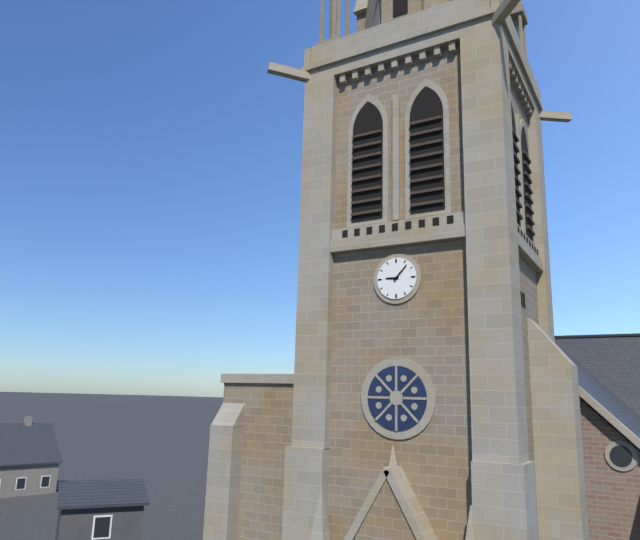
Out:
9 h 07 min
